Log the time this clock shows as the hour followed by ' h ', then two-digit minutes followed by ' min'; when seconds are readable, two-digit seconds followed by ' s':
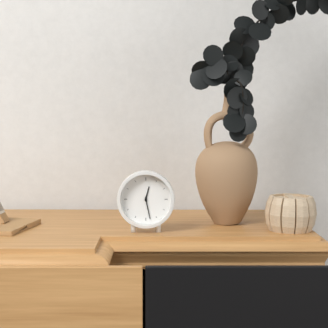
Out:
12 h 28 min
